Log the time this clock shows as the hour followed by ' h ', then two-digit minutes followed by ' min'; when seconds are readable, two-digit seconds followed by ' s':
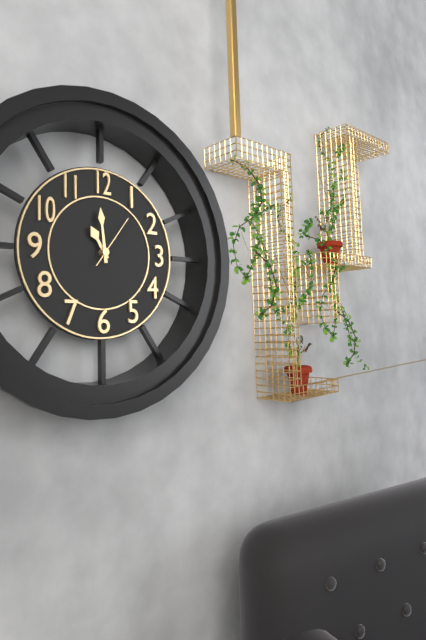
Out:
10 h 59 min 06 s
